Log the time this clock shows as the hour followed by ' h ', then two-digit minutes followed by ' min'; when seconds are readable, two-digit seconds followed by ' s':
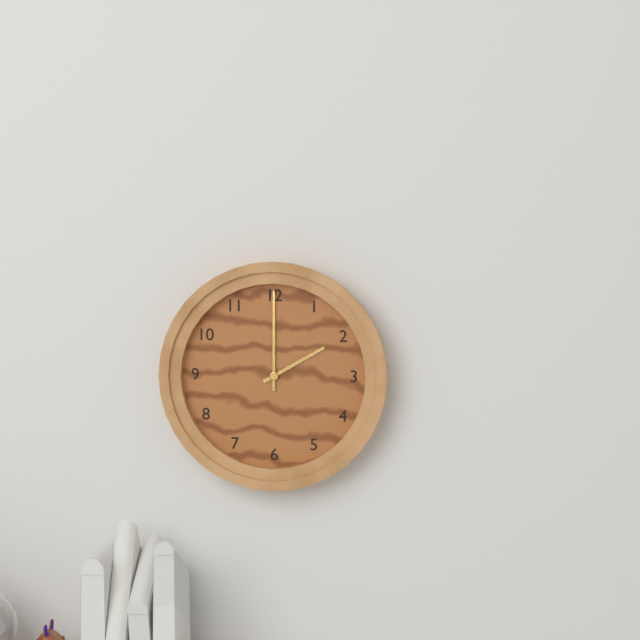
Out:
2 h 00 min
